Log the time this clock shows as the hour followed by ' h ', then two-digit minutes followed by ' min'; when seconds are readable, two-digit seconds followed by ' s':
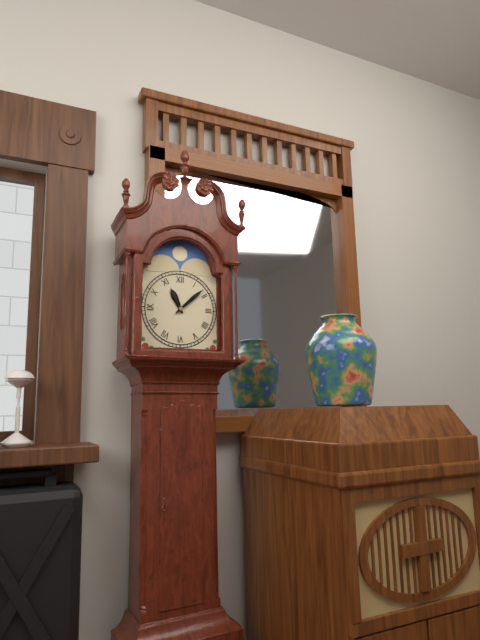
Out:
11 h 08 min
